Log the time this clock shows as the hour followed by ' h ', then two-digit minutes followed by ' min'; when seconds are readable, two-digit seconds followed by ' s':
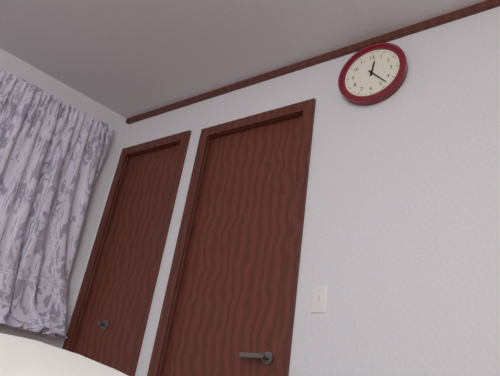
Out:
12 h 23 min
